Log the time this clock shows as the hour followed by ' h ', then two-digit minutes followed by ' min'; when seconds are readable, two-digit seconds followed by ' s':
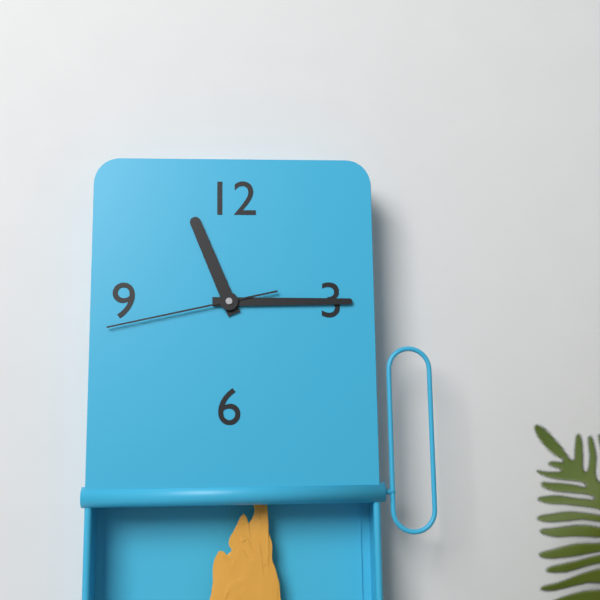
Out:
11 h 15 min 43 s
